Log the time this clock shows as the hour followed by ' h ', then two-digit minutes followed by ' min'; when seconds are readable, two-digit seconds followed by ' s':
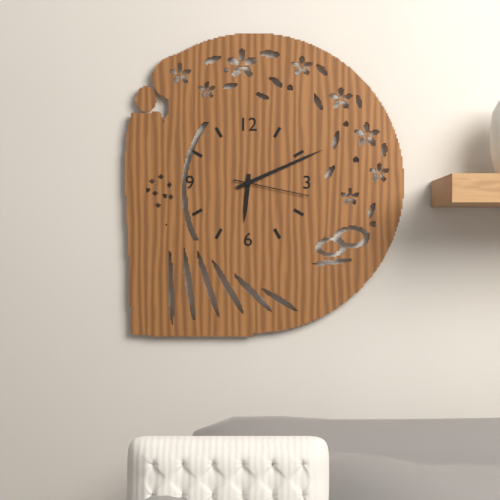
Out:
6 h 11 min 17 s
